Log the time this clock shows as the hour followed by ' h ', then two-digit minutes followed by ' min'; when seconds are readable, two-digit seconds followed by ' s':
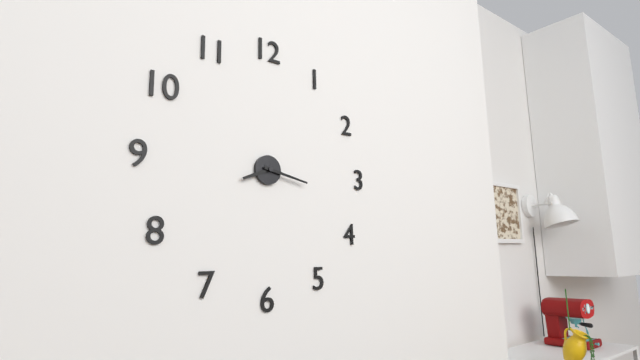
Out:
8 h 17 min
